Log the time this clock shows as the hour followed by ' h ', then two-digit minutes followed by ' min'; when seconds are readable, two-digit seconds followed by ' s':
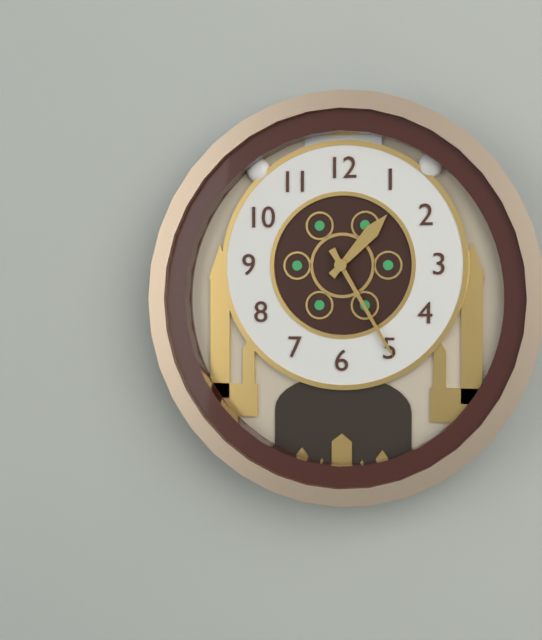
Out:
1 h 25 min
